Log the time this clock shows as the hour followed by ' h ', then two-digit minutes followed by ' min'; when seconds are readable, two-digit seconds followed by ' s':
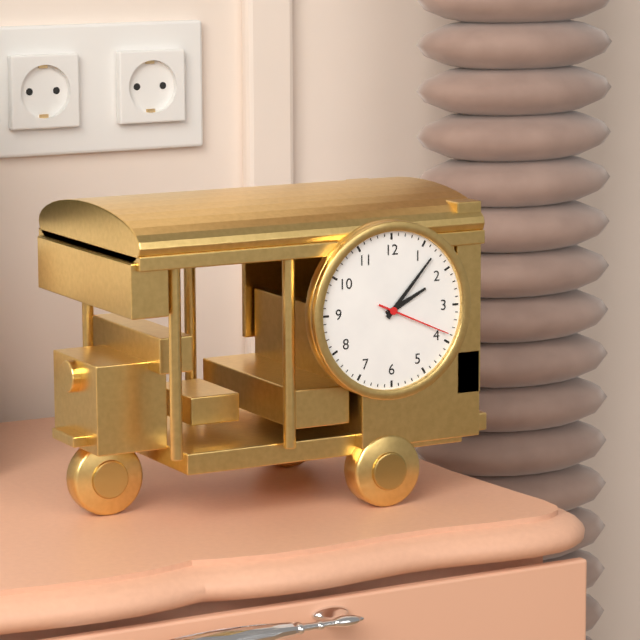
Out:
2 h 07 min 19 s
